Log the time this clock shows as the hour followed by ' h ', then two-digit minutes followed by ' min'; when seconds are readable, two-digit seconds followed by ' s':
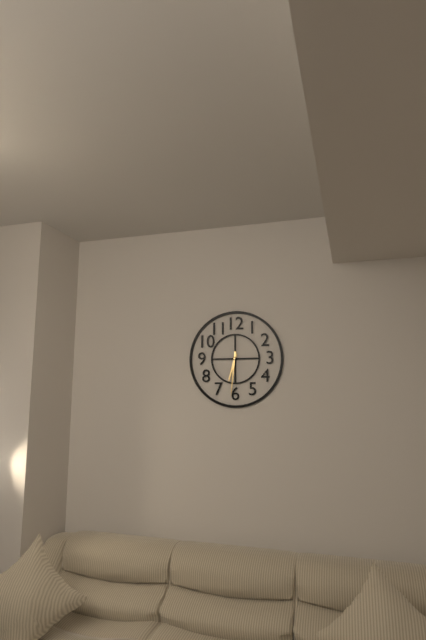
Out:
6 h 31 min
